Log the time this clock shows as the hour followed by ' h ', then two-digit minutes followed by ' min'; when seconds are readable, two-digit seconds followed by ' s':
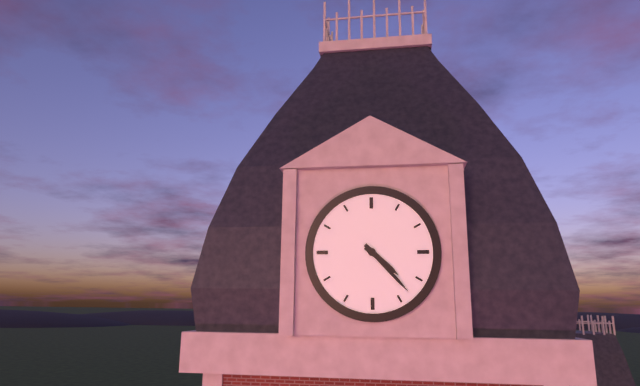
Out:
4 h 23 min
